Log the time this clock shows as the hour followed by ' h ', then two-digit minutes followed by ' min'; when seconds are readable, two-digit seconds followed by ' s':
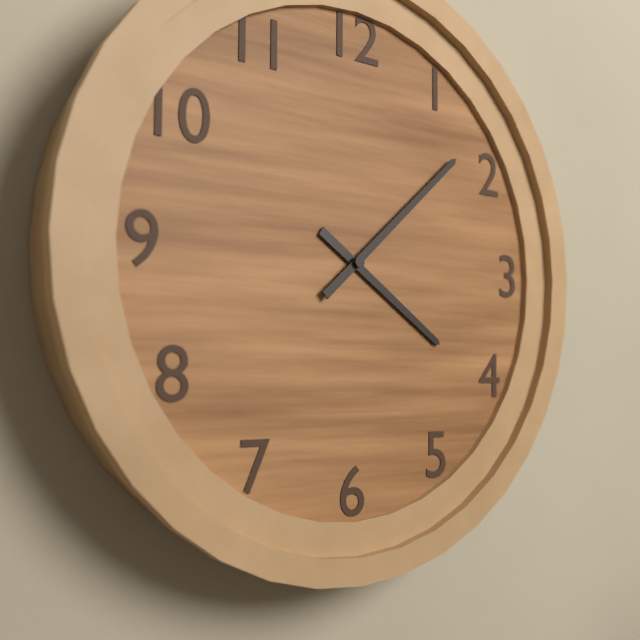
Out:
4 h 08 min
